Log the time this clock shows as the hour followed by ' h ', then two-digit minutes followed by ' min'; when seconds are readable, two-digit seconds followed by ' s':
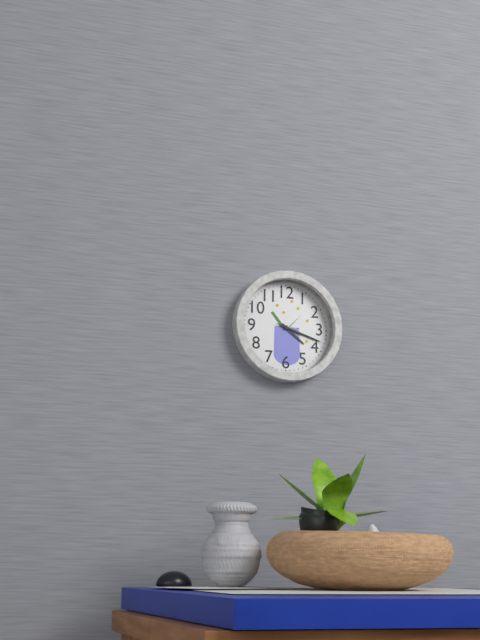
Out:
4 h 18 min
